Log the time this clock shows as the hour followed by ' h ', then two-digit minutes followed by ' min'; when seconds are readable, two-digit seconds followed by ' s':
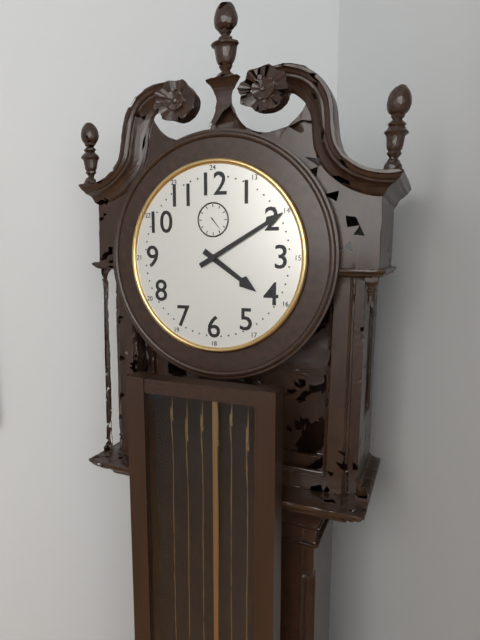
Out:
4 h 10 min
